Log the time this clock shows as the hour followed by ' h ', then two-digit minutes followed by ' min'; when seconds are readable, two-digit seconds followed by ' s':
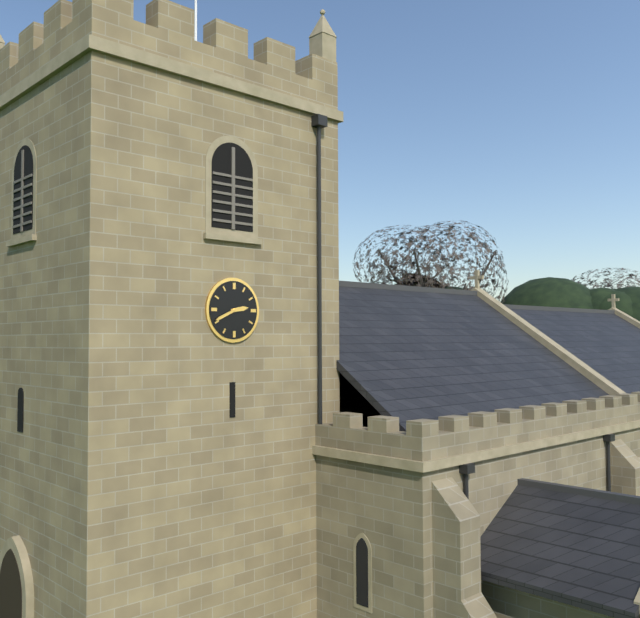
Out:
2 h 41 min
